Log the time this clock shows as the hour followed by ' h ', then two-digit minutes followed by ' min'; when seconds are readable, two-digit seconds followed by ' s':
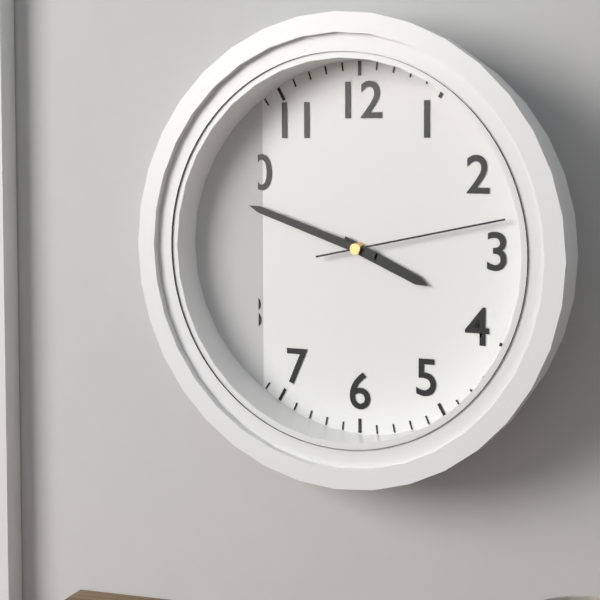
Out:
3 h 48 min 13 s
